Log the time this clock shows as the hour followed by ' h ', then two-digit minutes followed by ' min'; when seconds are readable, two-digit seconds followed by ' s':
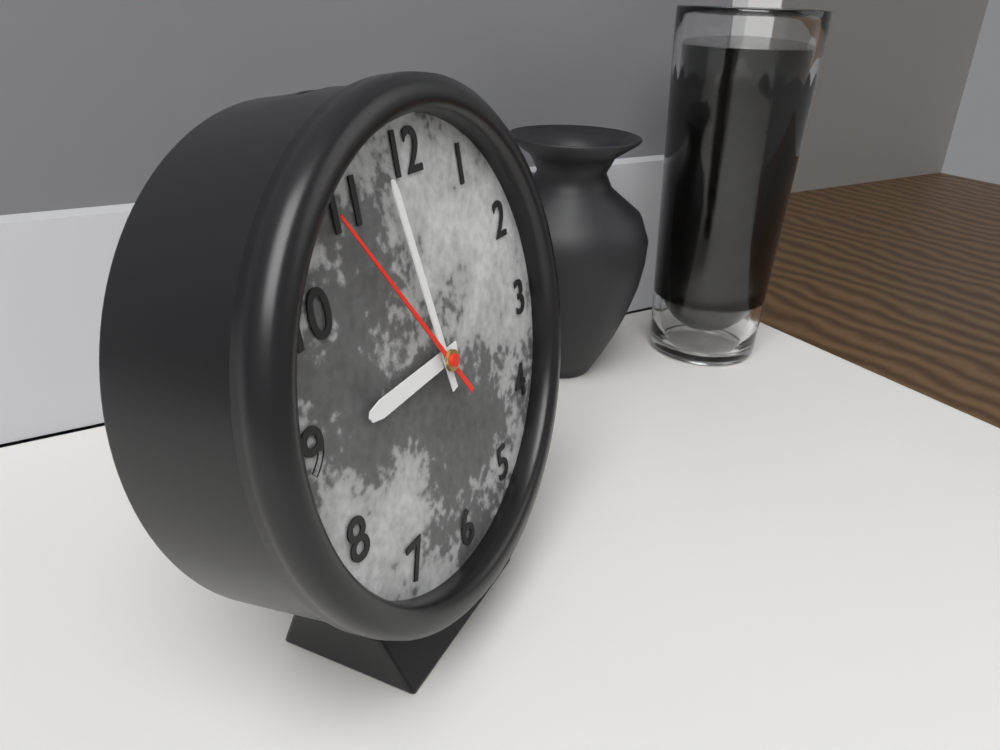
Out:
8 h 58 min 54 s
